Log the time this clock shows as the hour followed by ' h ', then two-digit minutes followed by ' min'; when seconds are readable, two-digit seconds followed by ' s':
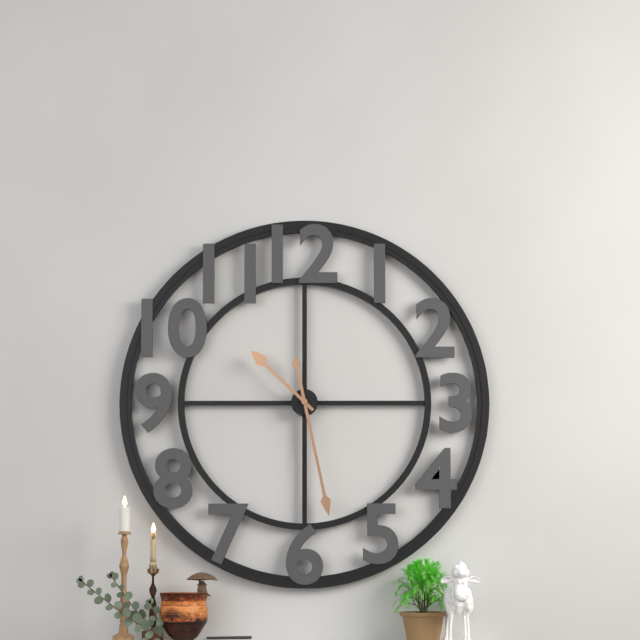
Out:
10 h 28 min
